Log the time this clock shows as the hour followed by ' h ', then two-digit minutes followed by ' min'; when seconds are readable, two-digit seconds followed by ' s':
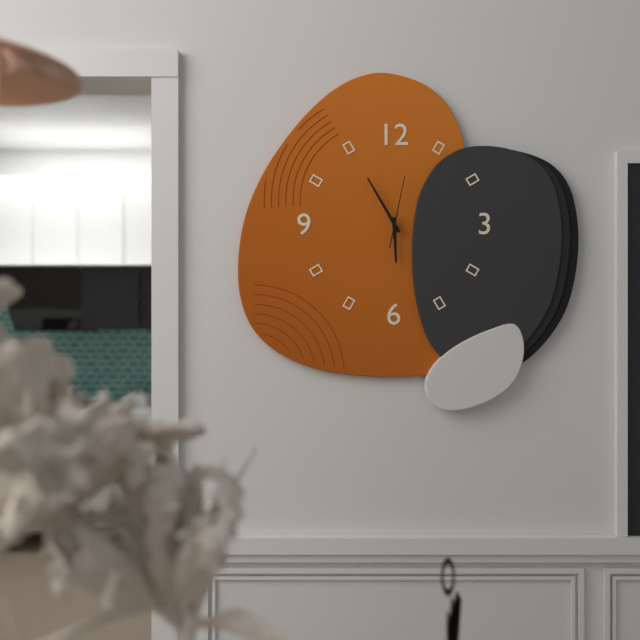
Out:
5 h 55 min 02 s
